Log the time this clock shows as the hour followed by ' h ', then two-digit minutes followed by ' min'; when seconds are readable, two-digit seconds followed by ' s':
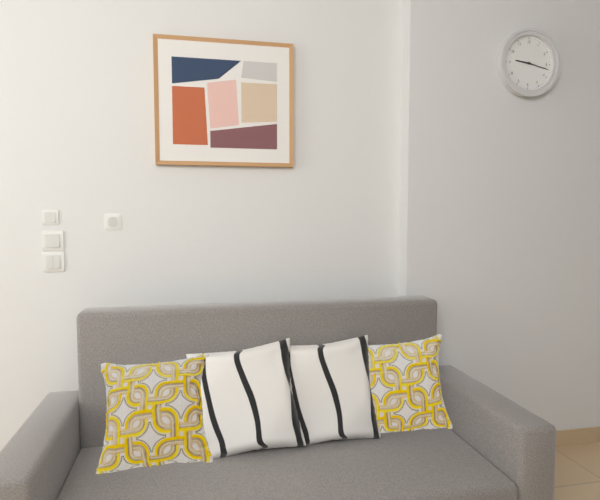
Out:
9 h 17 min
